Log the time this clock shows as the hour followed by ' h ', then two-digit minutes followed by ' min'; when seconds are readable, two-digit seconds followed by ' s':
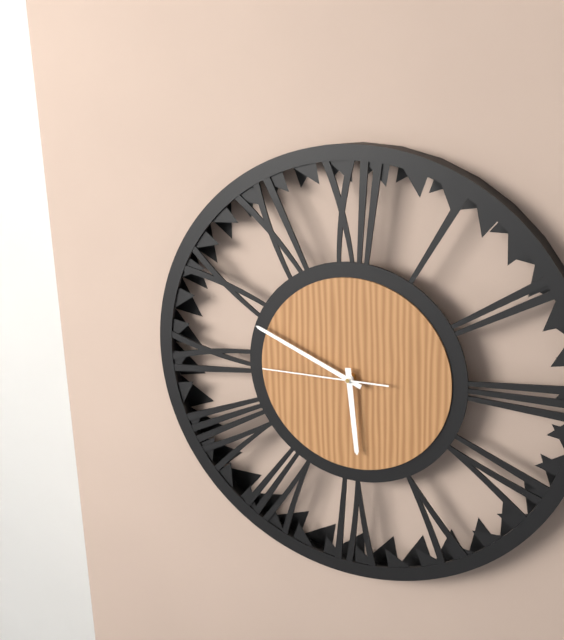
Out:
5 h 49 min 45 s
